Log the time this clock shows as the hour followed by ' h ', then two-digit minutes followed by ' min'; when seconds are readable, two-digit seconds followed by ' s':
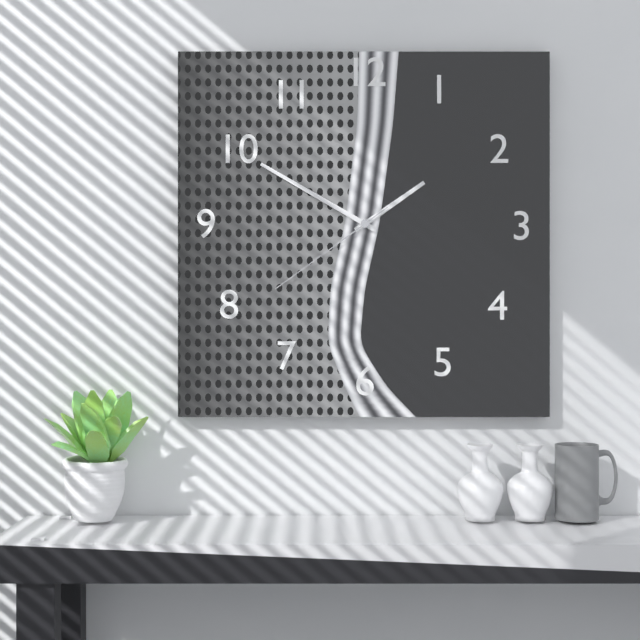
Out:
1 h 50 min 39 s
